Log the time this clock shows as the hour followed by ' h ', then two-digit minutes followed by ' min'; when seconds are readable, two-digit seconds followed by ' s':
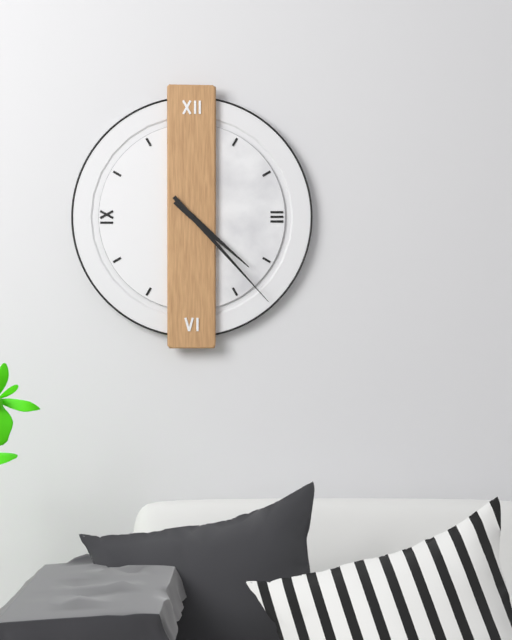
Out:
4 h 23 min
